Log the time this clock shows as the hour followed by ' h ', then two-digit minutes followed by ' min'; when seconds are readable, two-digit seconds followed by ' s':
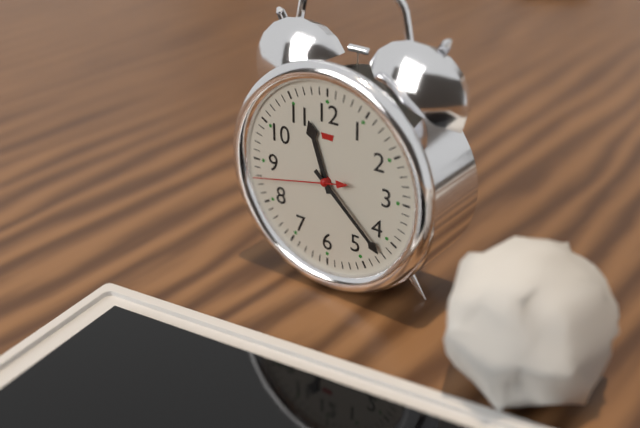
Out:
11 h 22 min 43 s
